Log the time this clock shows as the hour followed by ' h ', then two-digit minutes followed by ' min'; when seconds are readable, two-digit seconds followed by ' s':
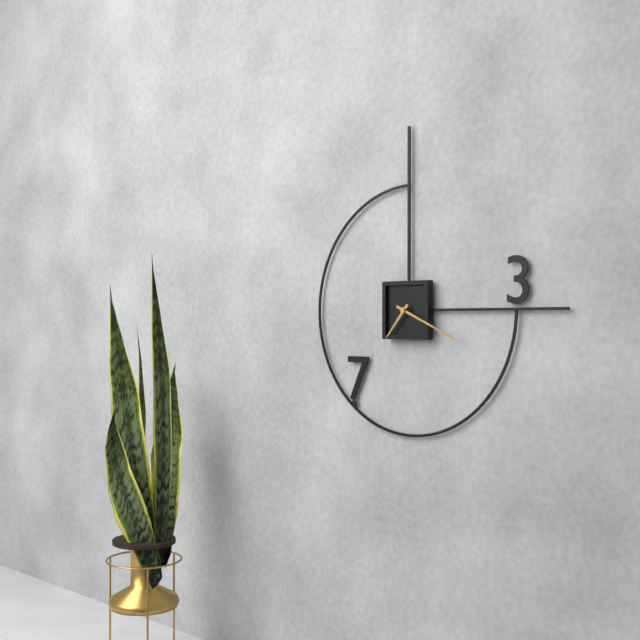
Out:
7 h 19 min
